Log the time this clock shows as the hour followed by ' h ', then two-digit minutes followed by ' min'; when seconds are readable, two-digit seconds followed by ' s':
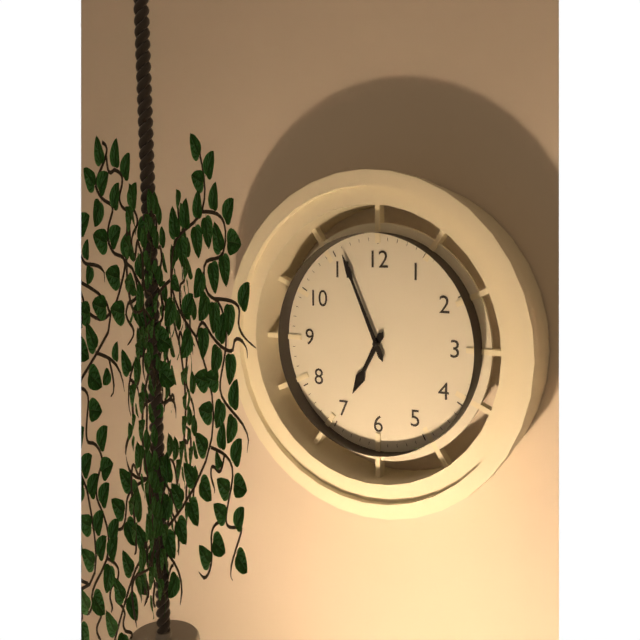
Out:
6 h 56 min
